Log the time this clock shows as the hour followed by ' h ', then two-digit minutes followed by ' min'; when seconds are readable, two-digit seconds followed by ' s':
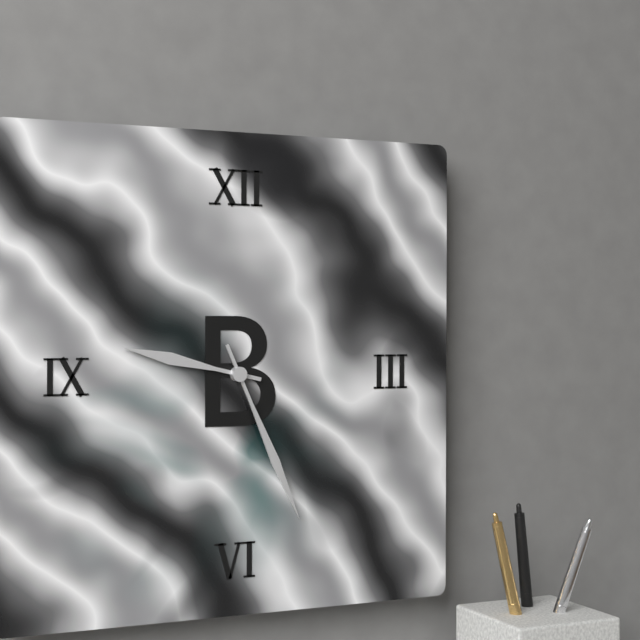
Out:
9 h 26 min
